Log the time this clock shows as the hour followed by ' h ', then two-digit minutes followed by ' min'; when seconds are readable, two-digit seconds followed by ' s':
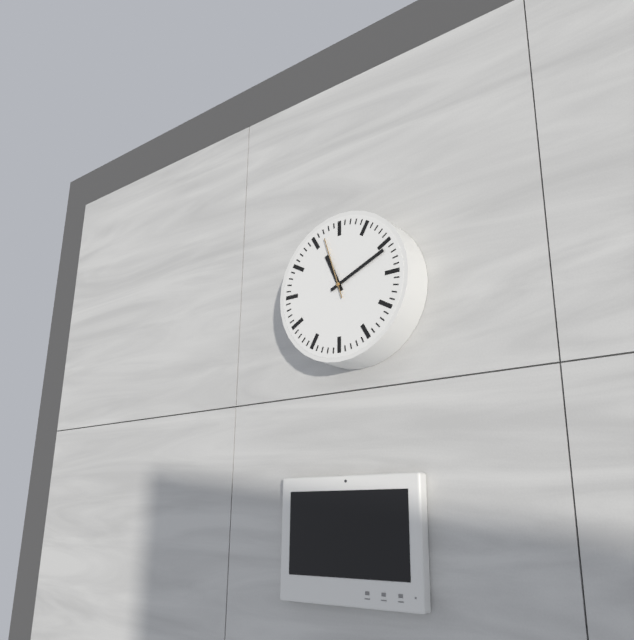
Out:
11 h 11 min 57 s
